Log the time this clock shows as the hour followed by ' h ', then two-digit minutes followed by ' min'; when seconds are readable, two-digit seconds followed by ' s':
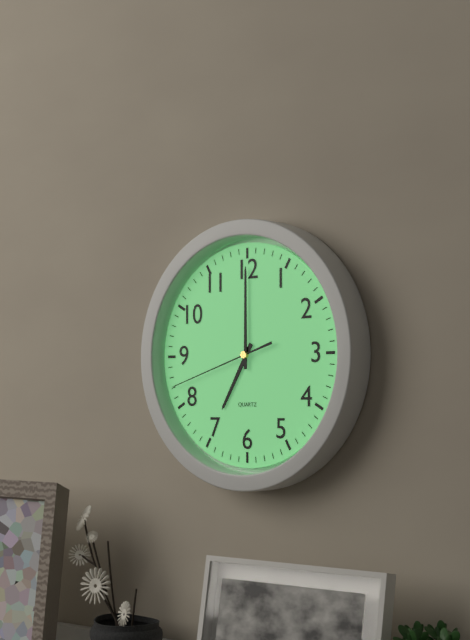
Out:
7 h 00 min 42 s
